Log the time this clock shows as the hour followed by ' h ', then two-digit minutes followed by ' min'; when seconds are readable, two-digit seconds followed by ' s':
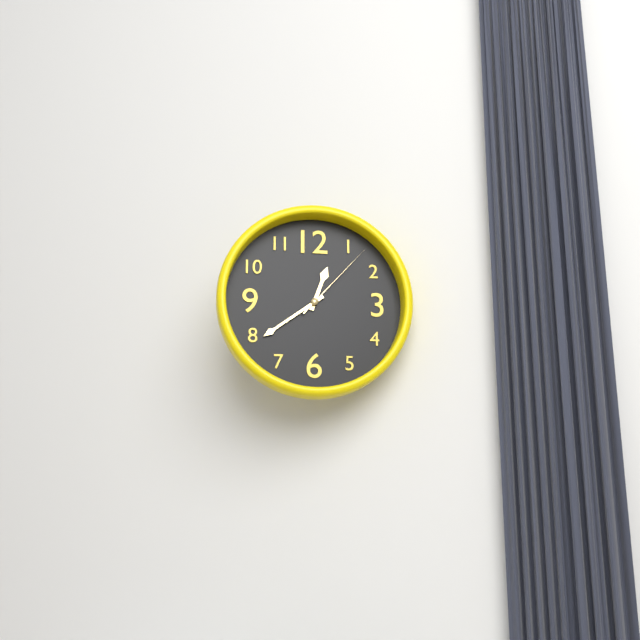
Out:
12 h 39 min 07 s
